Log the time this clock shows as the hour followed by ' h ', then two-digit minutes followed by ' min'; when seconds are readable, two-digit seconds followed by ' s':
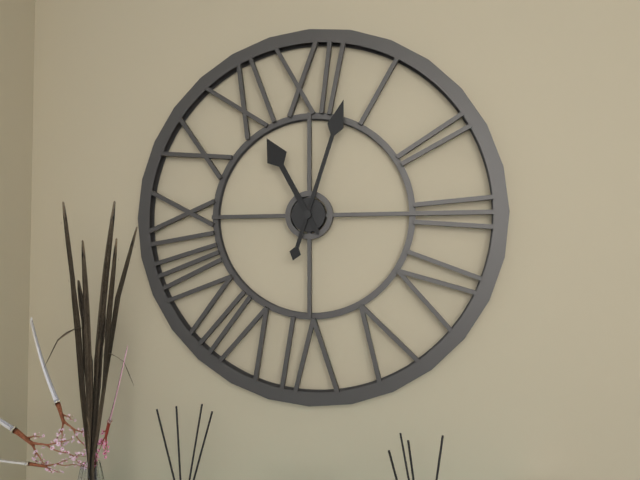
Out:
11 h 03 min
